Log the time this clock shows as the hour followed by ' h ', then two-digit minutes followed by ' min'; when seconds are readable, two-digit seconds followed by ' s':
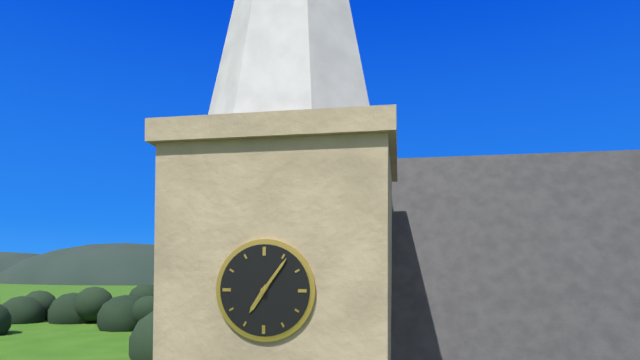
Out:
7 h 06 min
